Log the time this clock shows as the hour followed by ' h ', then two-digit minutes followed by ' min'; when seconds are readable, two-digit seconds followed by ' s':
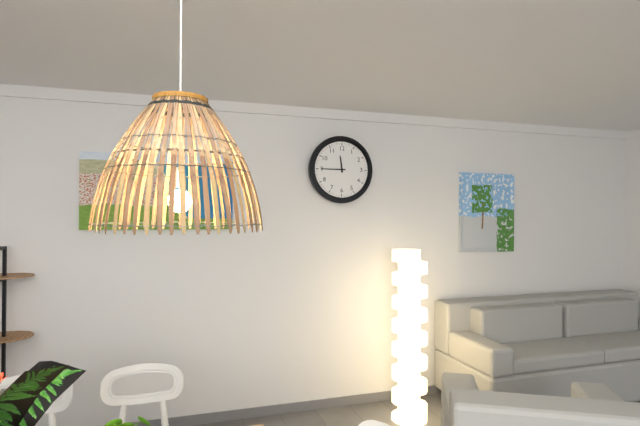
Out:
11 h 45 min
